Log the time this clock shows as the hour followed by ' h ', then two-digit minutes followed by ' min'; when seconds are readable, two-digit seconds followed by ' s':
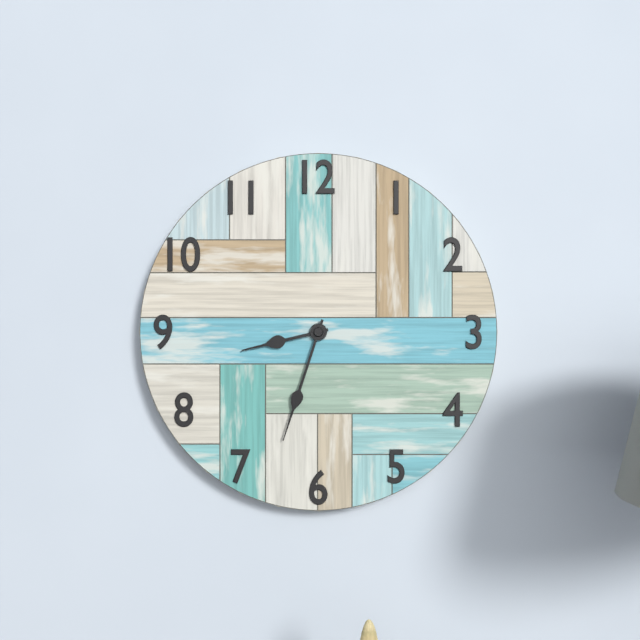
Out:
8 h 33 min
